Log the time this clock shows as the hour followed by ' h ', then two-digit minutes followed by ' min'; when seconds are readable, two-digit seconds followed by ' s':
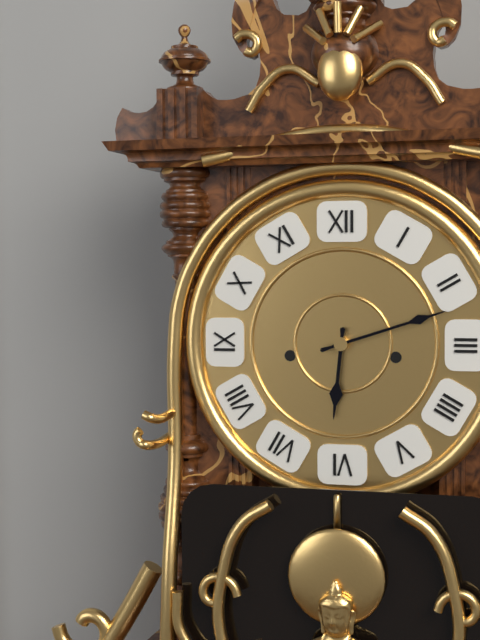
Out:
6 h 12 min
